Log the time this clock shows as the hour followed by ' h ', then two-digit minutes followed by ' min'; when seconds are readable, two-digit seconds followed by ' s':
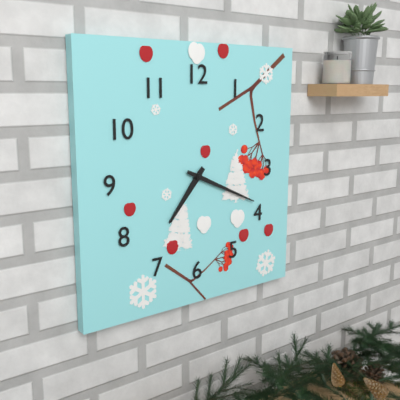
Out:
7 h 19 min
